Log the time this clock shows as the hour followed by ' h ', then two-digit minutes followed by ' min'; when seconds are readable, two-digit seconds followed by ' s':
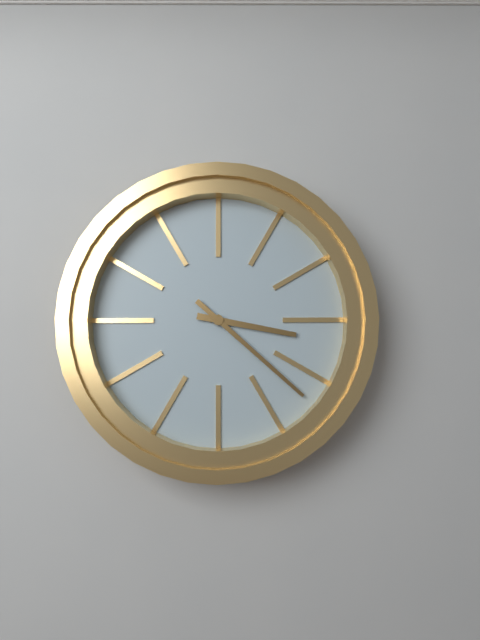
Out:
3 h 22 min
